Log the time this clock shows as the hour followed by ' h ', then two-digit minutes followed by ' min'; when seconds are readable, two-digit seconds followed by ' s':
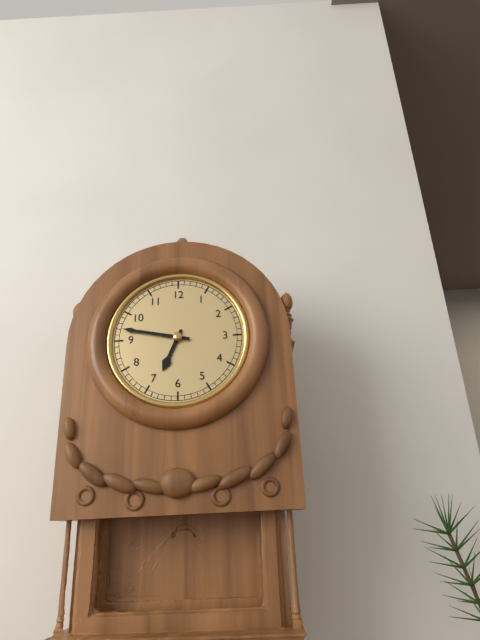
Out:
6 h 47 min
